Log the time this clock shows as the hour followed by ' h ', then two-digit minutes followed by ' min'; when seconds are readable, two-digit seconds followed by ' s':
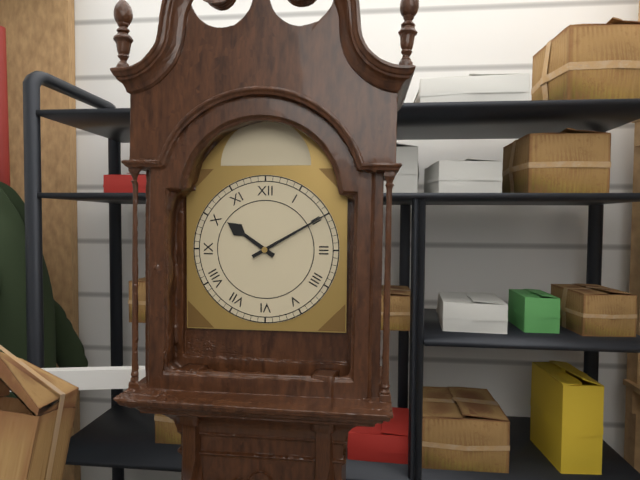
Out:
10 h 10 min
